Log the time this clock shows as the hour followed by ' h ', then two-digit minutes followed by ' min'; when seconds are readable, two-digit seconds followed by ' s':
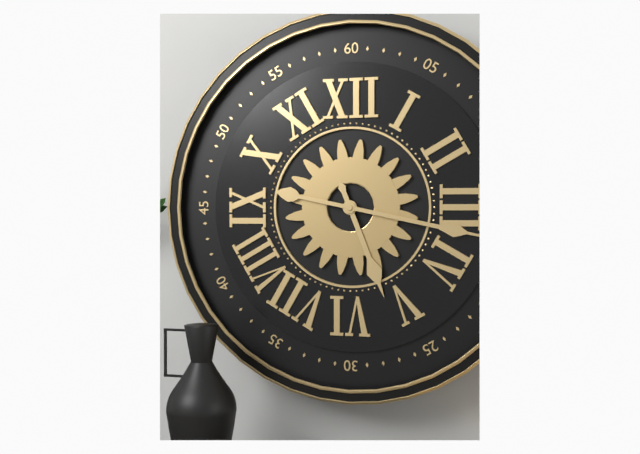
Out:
5 h 17 min
